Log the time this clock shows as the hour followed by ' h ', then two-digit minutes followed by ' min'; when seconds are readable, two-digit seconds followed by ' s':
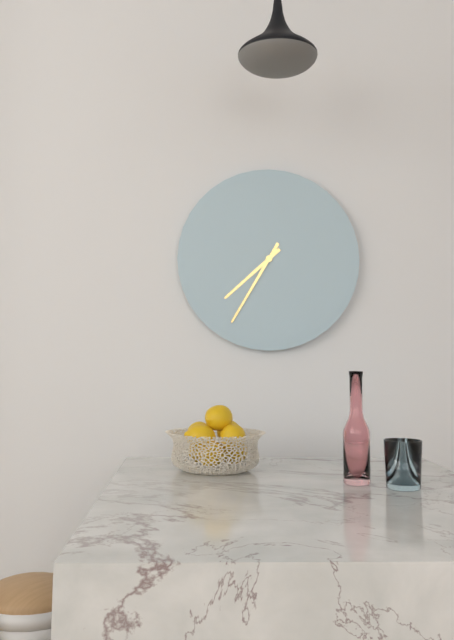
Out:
7 h 35 min
